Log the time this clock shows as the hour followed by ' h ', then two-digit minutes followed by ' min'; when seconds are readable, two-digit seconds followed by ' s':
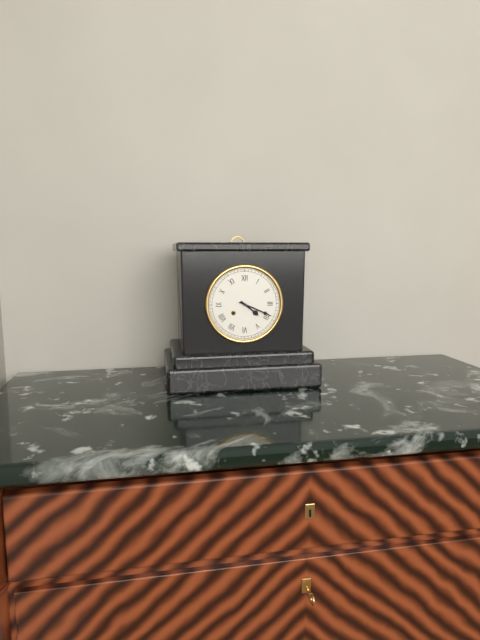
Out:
4 h 19 min
